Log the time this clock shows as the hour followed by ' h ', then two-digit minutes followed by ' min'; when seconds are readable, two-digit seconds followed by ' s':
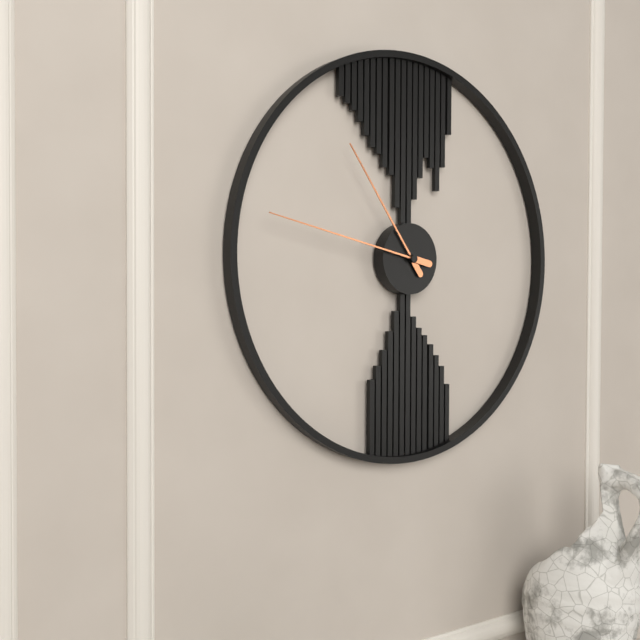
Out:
10 h 47 min
